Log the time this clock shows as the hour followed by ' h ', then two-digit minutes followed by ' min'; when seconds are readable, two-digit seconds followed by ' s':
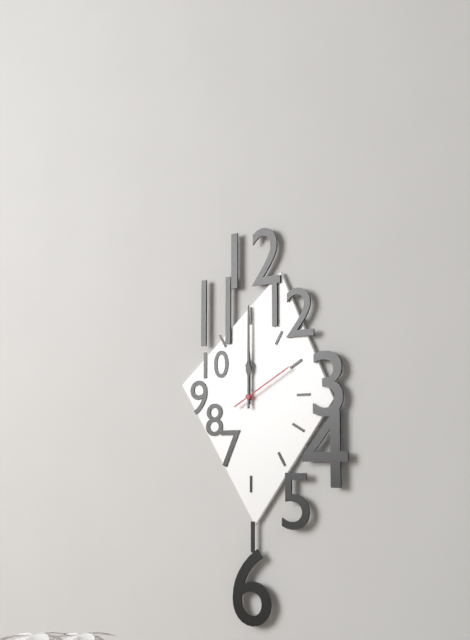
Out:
12 h 00 min 10 s
